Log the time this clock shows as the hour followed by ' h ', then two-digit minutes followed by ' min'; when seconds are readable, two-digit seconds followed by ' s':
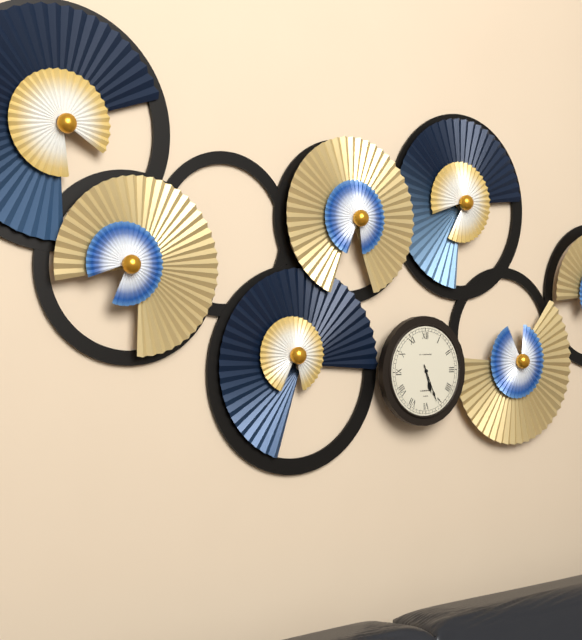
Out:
5 h 26 min
